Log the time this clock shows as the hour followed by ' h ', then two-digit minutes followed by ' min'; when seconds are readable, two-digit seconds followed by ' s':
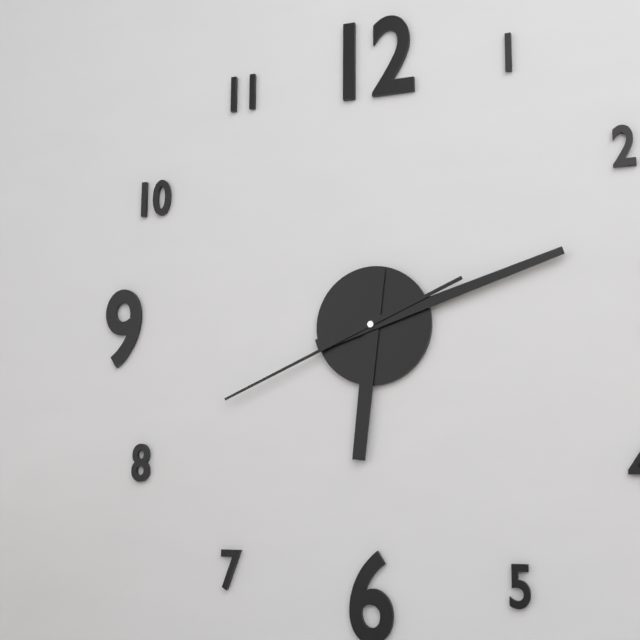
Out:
6 h 12 min 41 s
